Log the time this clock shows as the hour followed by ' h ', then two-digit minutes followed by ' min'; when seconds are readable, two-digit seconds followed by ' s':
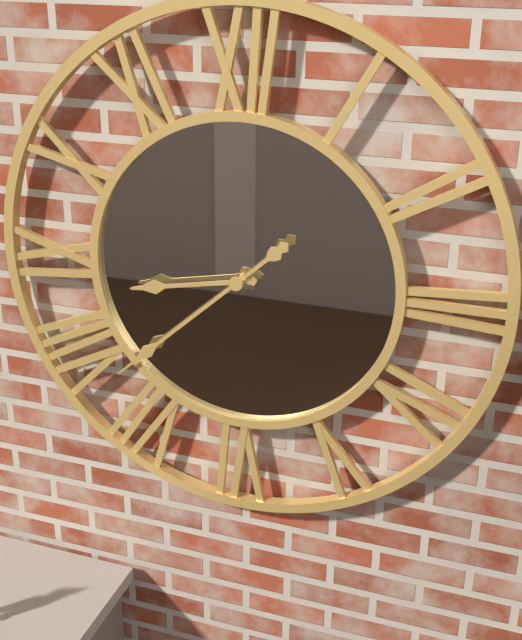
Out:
8 h 38 min
